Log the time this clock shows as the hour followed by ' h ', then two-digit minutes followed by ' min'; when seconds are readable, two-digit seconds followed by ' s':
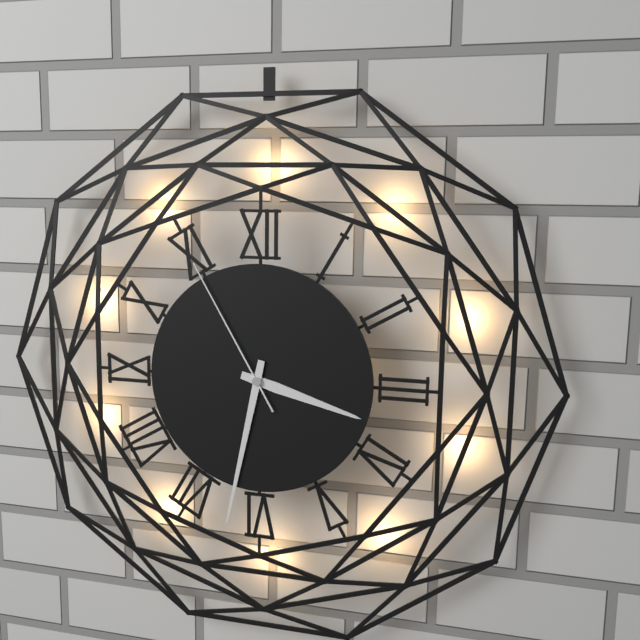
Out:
3 h 32 min 55 s
